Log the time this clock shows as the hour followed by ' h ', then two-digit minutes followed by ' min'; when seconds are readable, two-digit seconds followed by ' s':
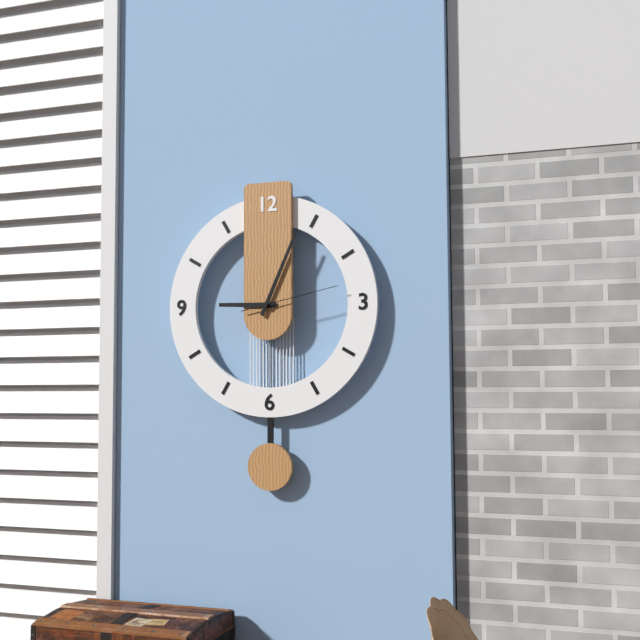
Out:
9 h 04 min 13 s
